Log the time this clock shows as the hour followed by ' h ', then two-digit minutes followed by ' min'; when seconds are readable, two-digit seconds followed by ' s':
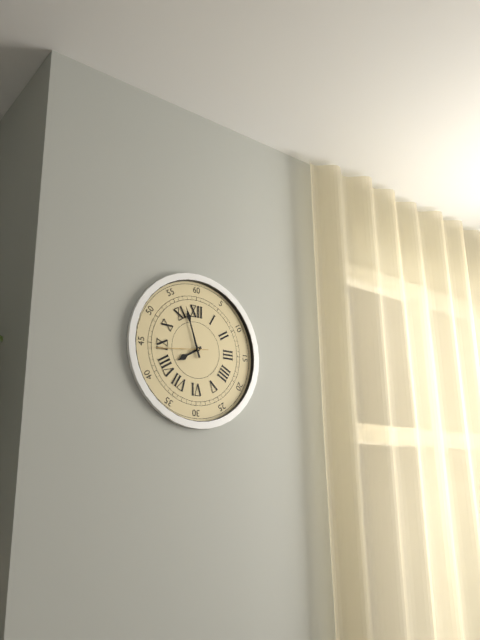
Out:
7 h 57 min 44 s
